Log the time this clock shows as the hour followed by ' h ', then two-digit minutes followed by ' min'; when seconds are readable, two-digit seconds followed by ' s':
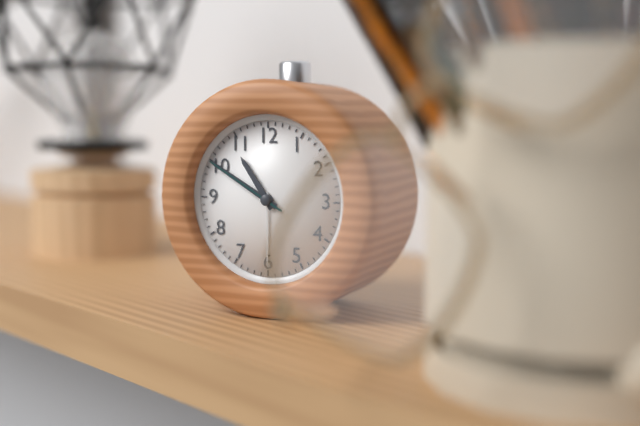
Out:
10 h 50 min 50 s
